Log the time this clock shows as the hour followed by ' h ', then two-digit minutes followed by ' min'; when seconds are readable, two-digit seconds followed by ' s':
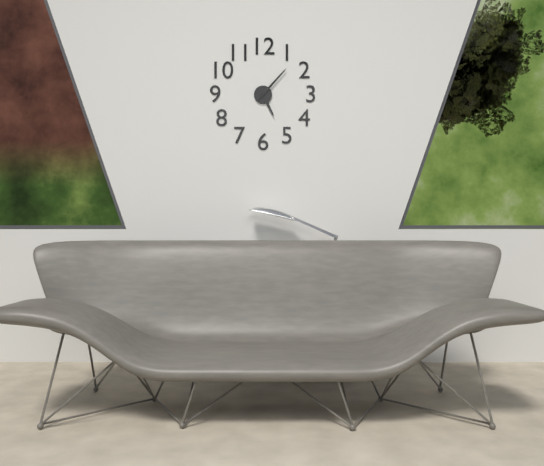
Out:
5 h 07 min
